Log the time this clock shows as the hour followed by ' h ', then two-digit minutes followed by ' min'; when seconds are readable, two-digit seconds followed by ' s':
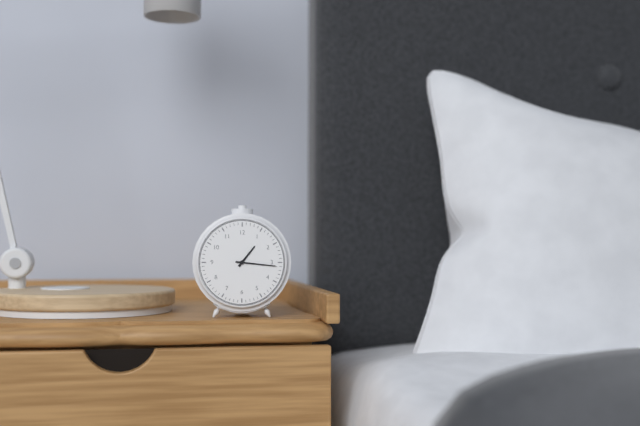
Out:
1 h 16 min
